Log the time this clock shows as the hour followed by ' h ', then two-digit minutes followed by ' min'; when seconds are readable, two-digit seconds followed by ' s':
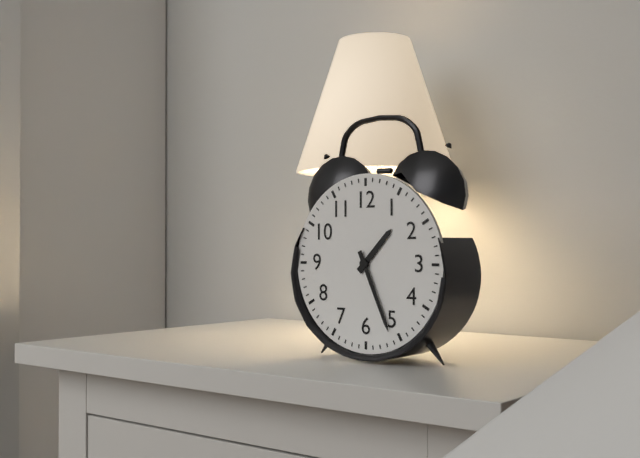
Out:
1 h 26 min
